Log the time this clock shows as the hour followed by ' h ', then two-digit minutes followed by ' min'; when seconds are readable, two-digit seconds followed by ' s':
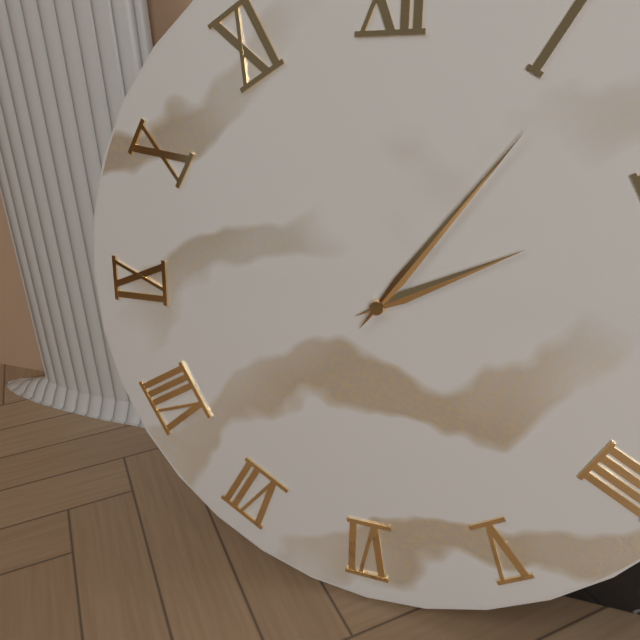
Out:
2 h 06 min
